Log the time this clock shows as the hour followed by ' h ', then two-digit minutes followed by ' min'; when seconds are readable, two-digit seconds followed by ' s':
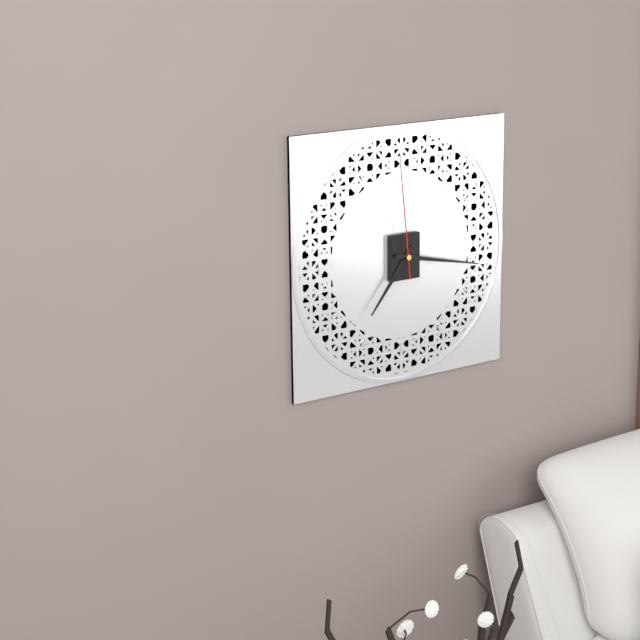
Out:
7 h 17 min 59 s
